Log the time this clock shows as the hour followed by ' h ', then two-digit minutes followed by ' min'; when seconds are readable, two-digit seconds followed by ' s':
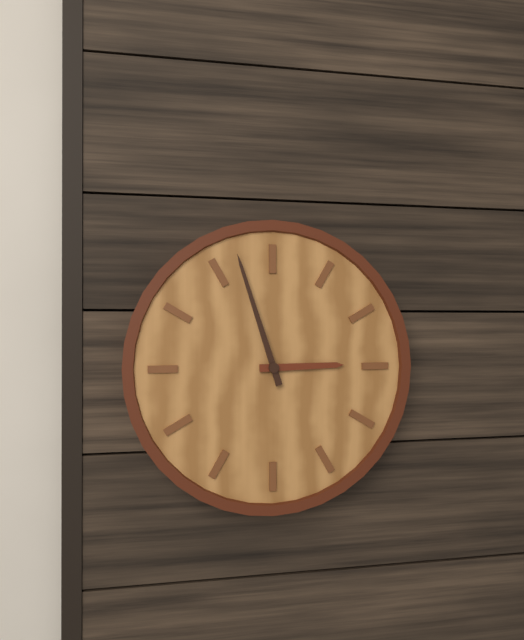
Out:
2 h 57 min
